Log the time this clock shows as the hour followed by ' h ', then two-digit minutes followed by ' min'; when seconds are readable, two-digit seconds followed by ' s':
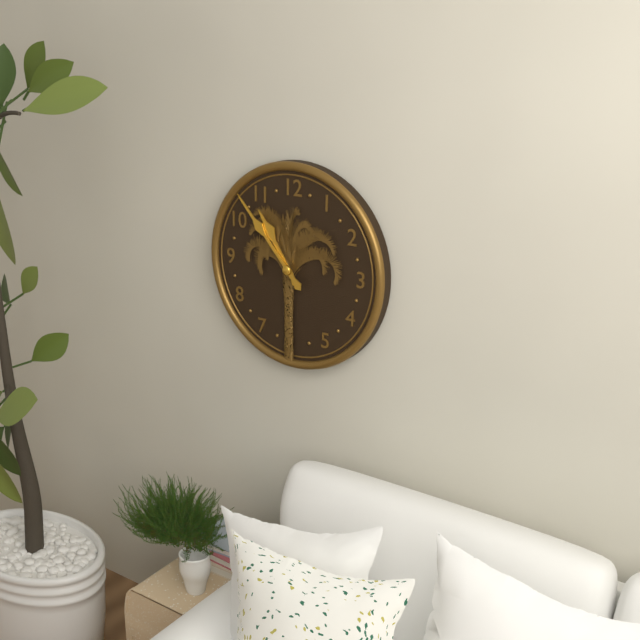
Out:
10 h 53 min
